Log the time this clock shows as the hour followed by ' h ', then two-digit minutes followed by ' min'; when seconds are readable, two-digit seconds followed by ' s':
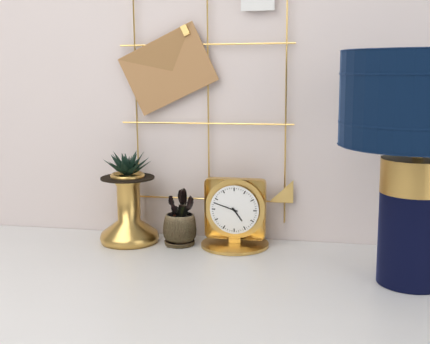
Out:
4 h 48 min
